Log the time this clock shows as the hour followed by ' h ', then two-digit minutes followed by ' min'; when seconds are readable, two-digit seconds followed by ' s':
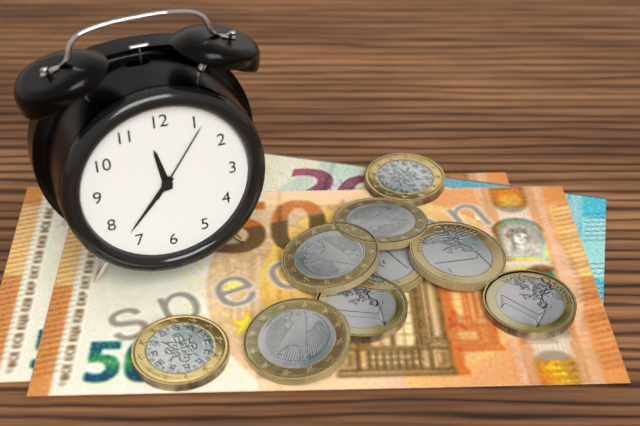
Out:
11 h 37 min 06 s
